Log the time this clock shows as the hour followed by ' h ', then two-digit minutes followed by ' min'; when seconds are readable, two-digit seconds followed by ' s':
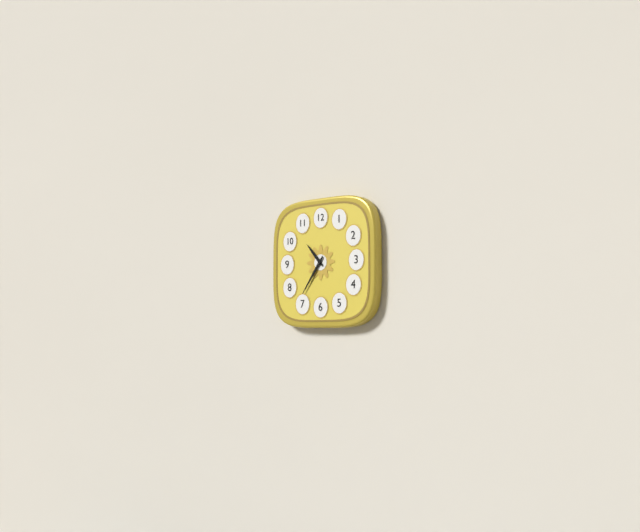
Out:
10 h 36 min
